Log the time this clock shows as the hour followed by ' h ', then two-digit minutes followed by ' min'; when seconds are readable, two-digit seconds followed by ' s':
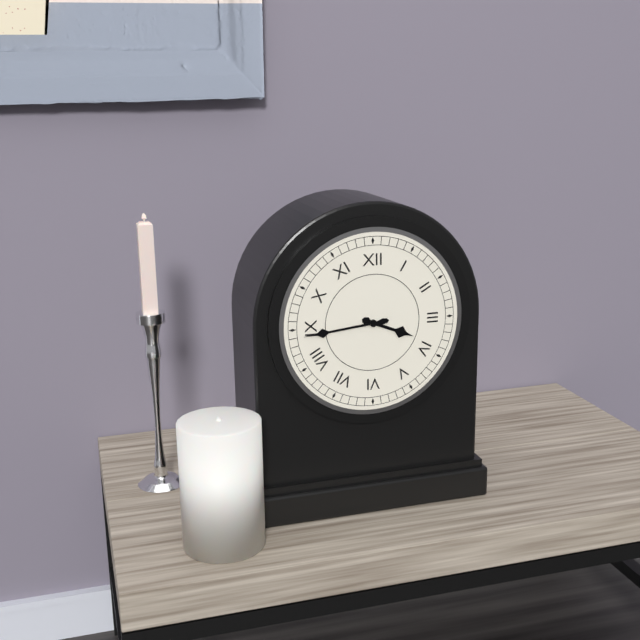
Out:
3 h 44 min
